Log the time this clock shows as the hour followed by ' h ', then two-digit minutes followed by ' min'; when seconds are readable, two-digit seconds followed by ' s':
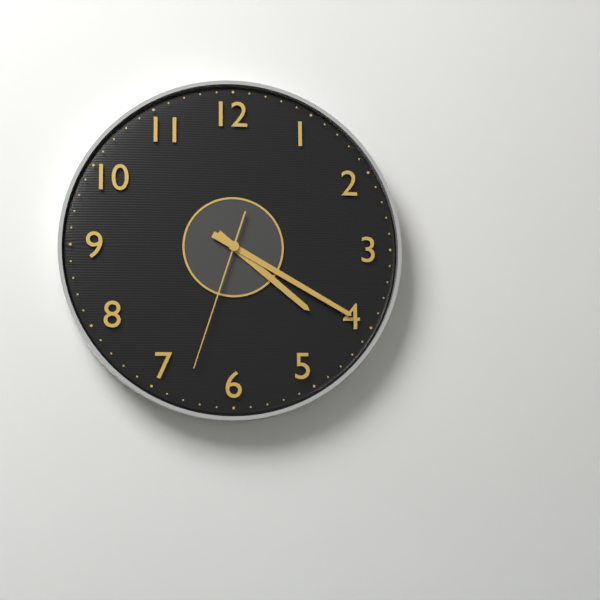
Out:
4 h 20 min 33 s
